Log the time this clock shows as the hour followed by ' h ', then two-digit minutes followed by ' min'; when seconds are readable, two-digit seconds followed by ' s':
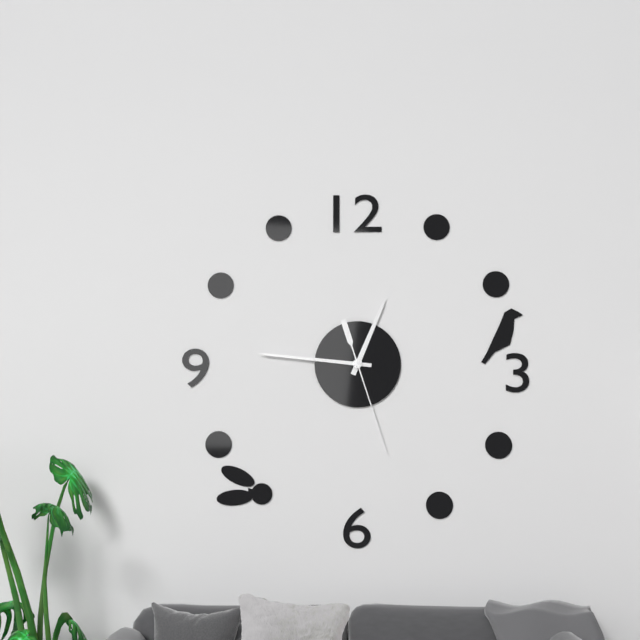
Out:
12 h 46 min 27 s
